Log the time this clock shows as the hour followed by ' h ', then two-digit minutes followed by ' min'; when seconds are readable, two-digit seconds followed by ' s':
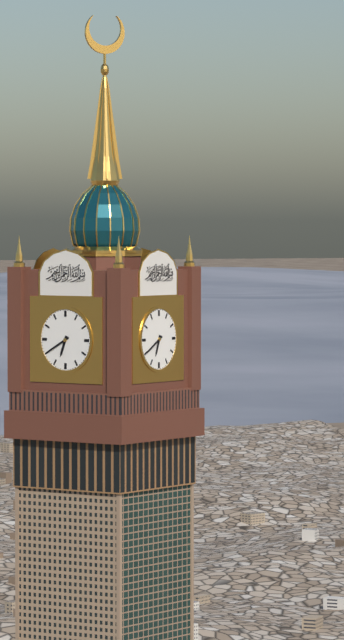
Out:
6 h 40 min
